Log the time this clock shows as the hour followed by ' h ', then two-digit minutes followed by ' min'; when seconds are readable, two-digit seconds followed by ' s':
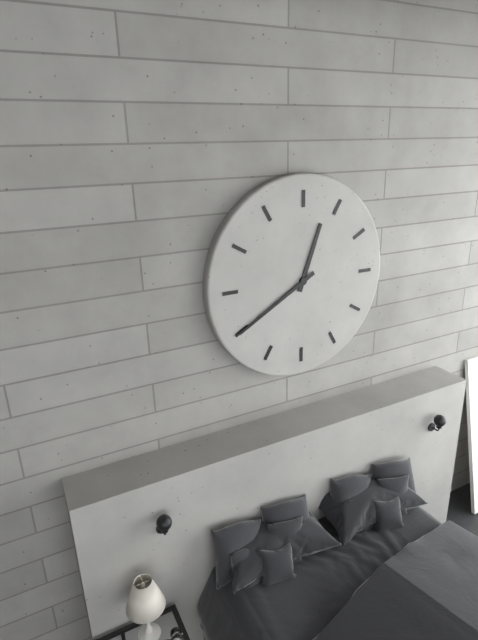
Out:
12 h 40 min
